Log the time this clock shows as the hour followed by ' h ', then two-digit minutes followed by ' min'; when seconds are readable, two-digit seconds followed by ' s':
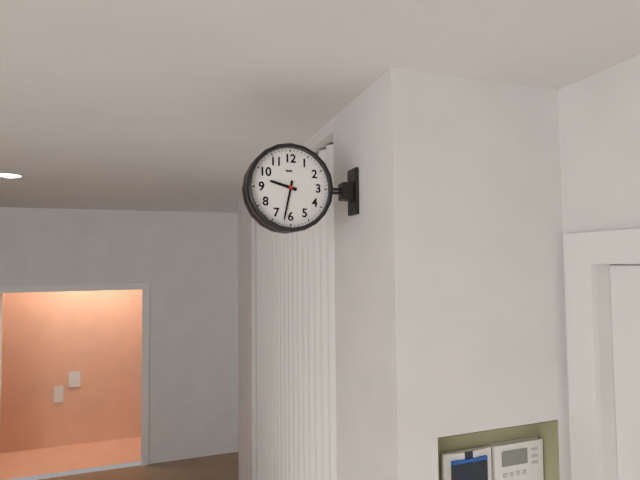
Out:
9 h 32 min
